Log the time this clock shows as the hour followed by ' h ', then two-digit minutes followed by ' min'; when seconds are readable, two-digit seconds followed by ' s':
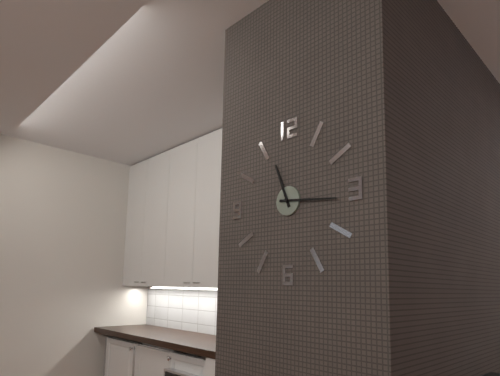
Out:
11 h 16 min
